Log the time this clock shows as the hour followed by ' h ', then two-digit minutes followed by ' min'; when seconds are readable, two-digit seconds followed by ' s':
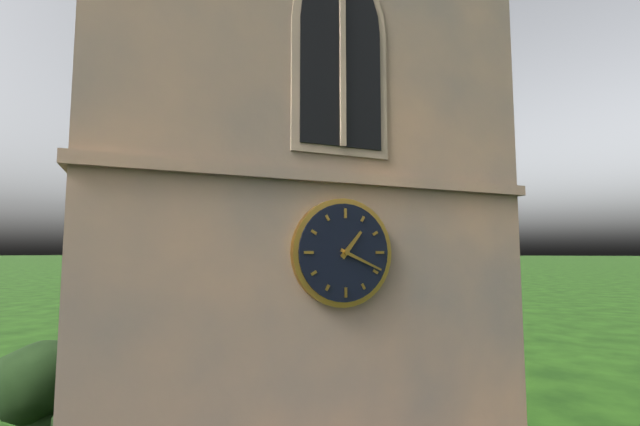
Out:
1 h 19 min
